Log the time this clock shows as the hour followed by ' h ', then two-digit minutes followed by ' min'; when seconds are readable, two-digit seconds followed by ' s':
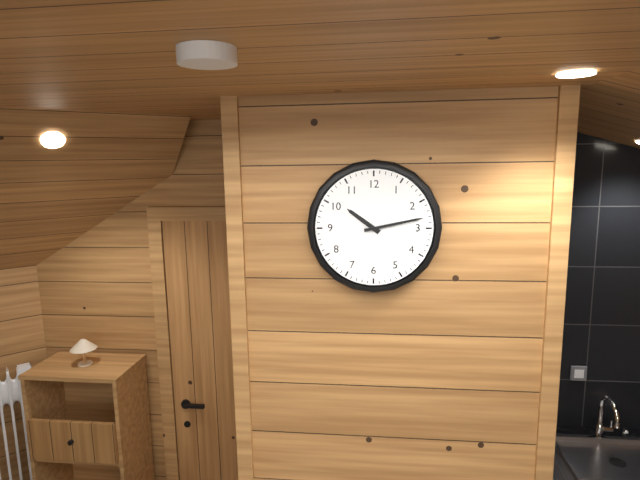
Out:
10 h 13 min
